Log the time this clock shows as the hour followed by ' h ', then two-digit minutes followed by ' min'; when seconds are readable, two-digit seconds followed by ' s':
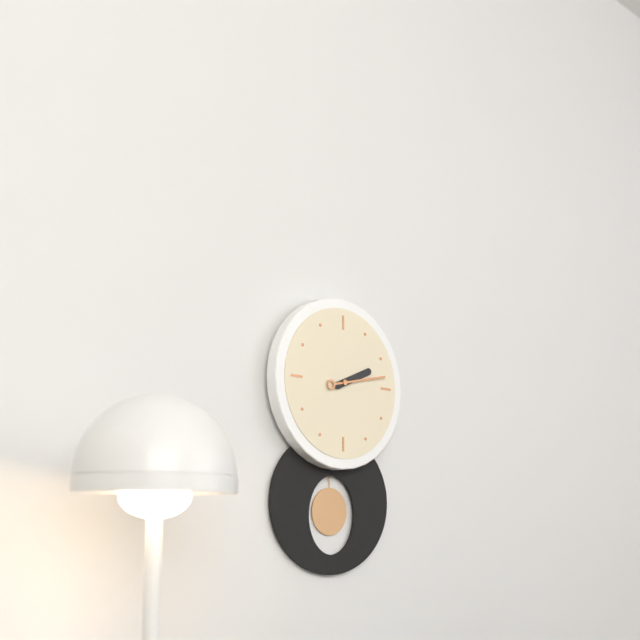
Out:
2 h 13 min
